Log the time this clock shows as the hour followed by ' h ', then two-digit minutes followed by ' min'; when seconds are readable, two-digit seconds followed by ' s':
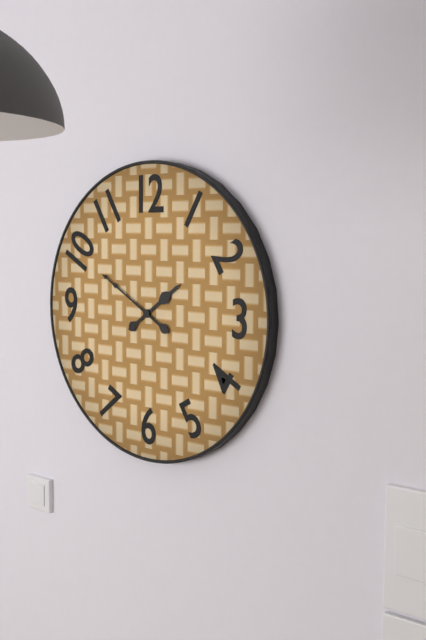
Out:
1 h 50 min
